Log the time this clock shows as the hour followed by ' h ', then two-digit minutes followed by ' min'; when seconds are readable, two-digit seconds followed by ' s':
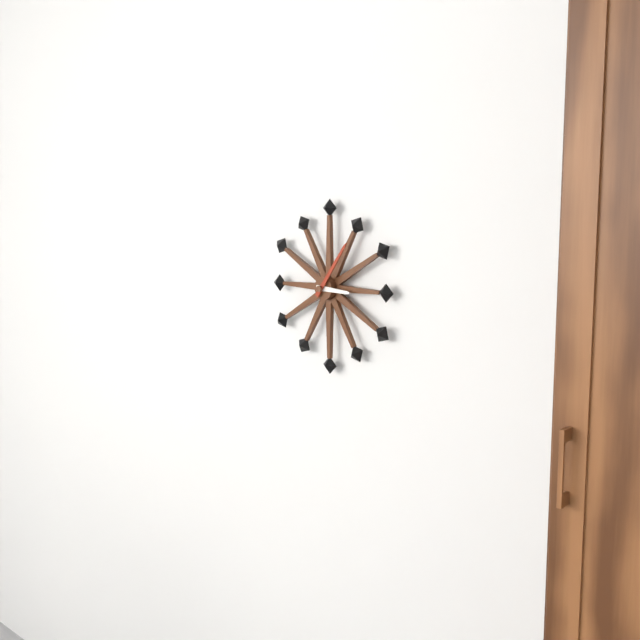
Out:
3 h 06 min
